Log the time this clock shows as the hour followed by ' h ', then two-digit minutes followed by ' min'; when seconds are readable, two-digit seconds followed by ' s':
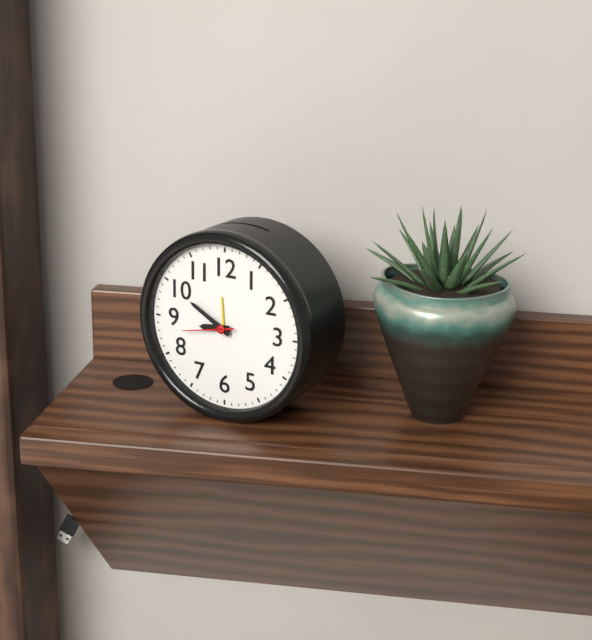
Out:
8 h 50 min
